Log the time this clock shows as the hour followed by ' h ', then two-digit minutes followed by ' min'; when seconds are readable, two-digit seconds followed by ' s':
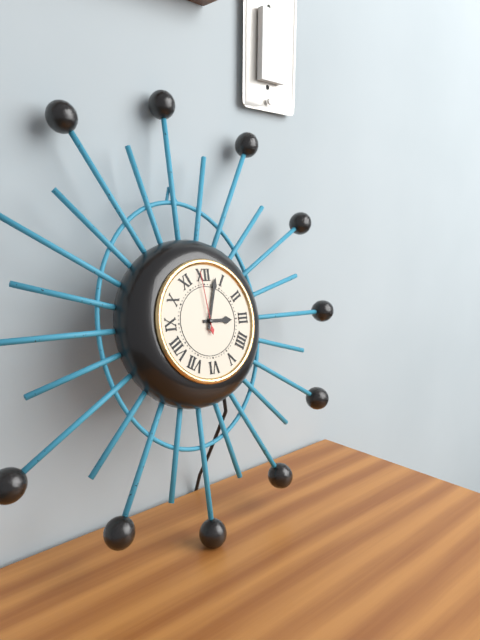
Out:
3 h 03 min 59 s
